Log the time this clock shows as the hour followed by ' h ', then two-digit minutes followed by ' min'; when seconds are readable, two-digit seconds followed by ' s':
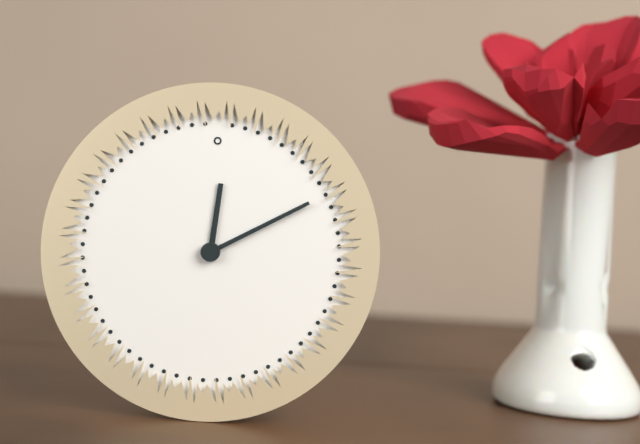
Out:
12 h 10 min
